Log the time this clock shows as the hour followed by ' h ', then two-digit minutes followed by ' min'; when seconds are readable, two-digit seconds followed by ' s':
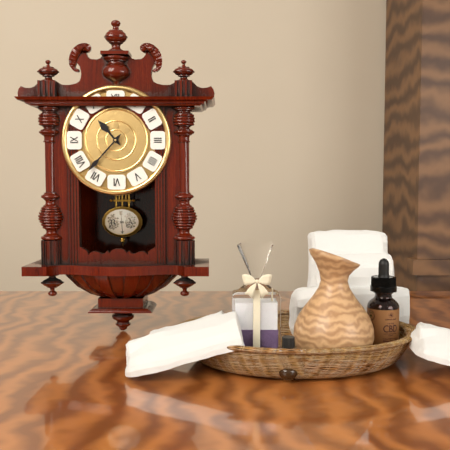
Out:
10 h 37 min
